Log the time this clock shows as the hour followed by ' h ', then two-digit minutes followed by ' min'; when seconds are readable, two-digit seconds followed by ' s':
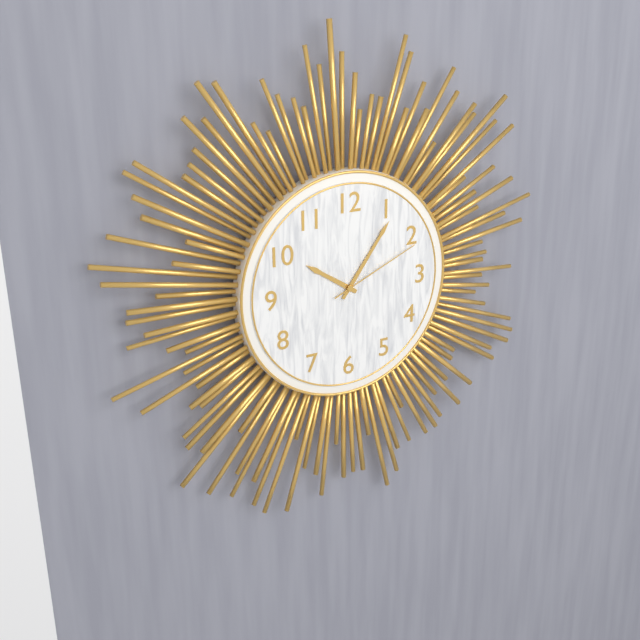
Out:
10 h 06 min 11 s
